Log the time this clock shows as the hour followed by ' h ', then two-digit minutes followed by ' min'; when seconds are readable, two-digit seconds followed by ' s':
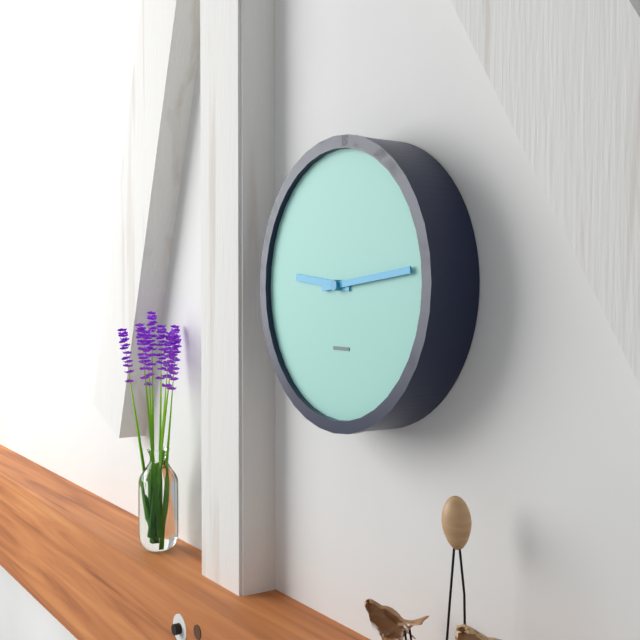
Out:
9 h 14 min
